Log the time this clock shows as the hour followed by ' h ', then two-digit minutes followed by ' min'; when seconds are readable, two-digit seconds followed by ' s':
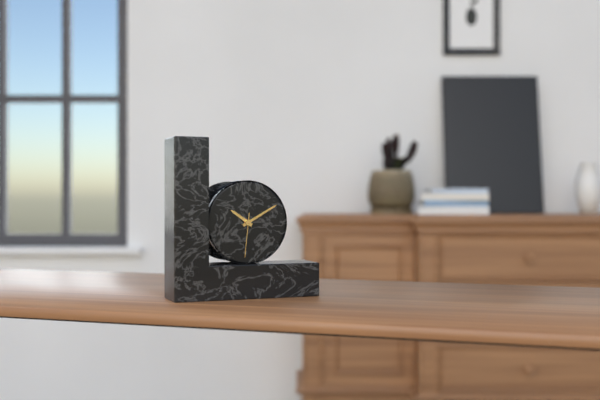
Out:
10 h 10 min
